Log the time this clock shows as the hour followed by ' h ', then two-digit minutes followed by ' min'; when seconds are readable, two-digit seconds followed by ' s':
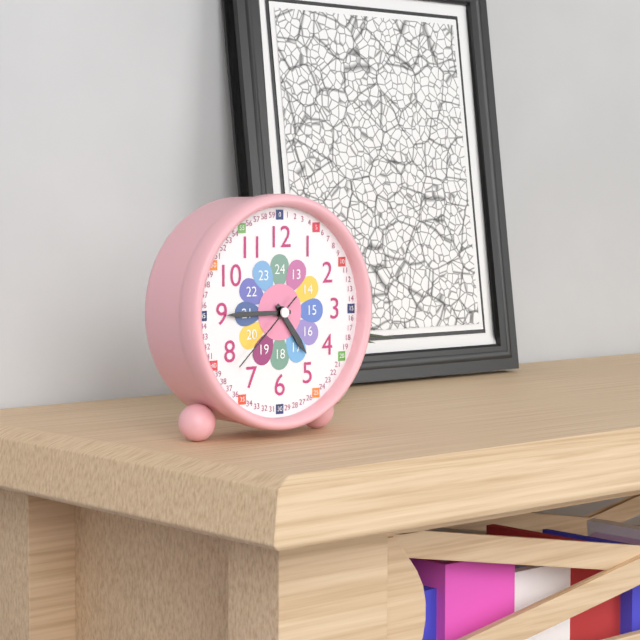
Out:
4 h 45 min 38 s
